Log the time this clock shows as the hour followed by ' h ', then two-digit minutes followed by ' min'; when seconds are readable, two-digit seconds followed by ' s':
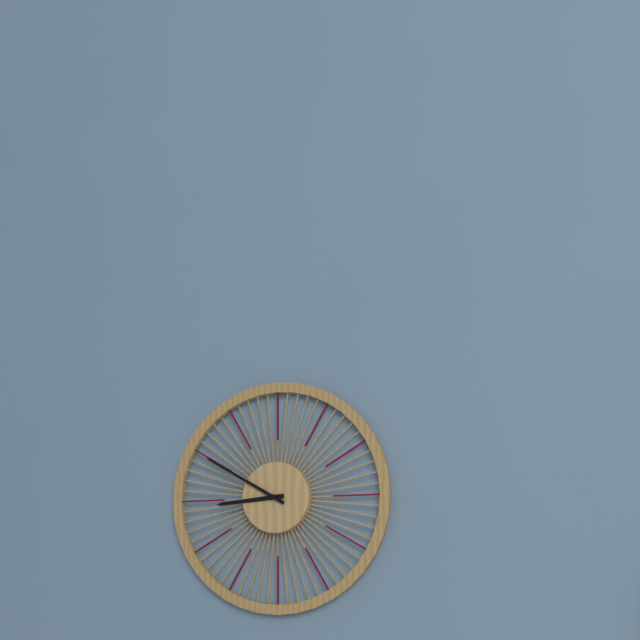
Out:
8 h 50 min
